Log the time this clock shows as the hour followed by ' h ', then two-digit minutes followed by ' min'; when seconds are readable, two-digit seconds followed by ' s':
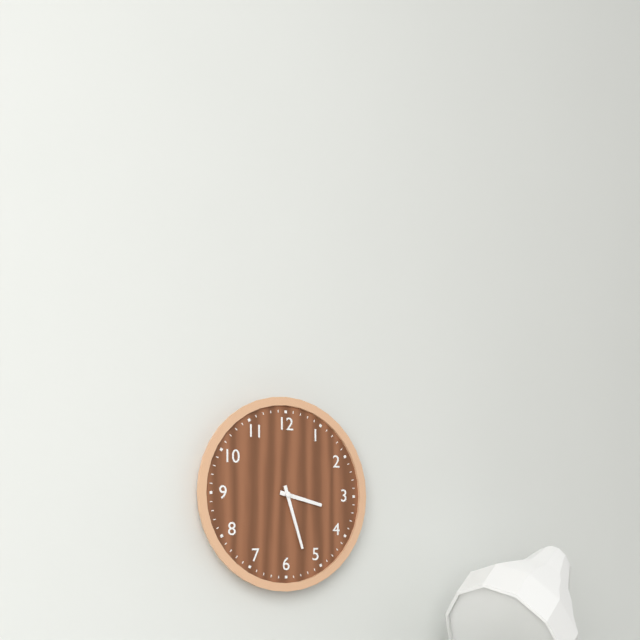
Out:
3 h 27 min
